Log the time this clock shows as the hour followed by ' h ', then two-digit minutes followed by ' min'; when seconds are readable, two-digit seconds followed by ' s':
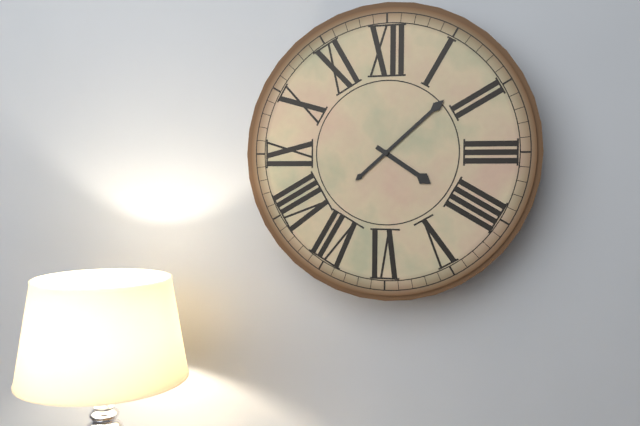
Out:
4 h 08 min
